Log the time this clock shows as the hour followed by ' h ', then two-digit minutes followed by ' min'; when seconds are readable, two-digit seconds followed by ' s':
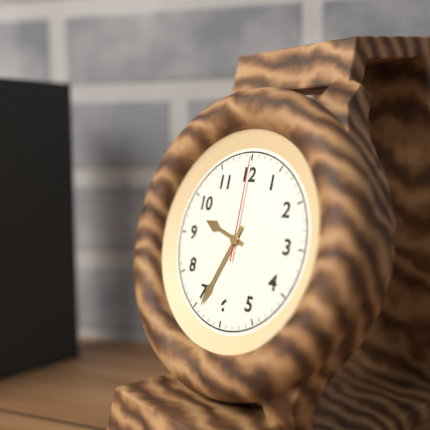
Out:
9 h 34 min 00 s
